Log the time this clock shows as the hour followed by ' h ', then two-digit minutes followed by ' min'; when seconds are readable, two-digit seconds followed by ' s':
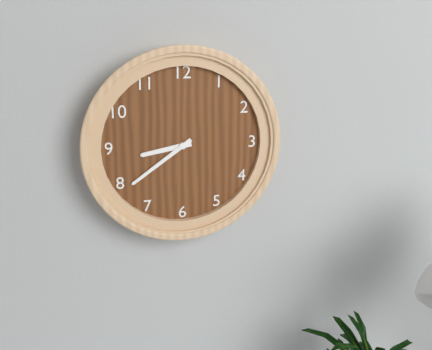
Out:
8 h 39 min
